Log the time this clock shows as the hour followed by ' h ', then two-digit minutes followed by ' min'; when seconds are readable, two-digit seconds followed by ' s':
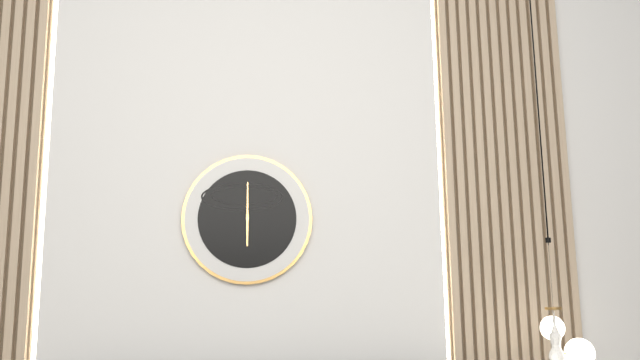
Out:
6 h 00 min
